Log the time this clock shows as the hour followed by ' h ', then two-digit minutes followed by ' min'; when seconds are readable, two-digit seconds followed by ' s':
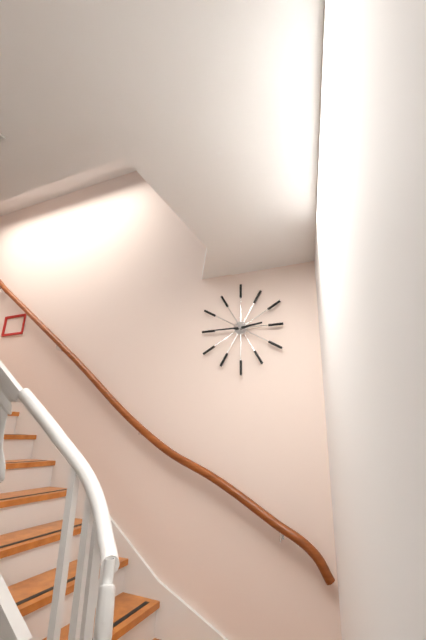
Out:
2 h 45 min
